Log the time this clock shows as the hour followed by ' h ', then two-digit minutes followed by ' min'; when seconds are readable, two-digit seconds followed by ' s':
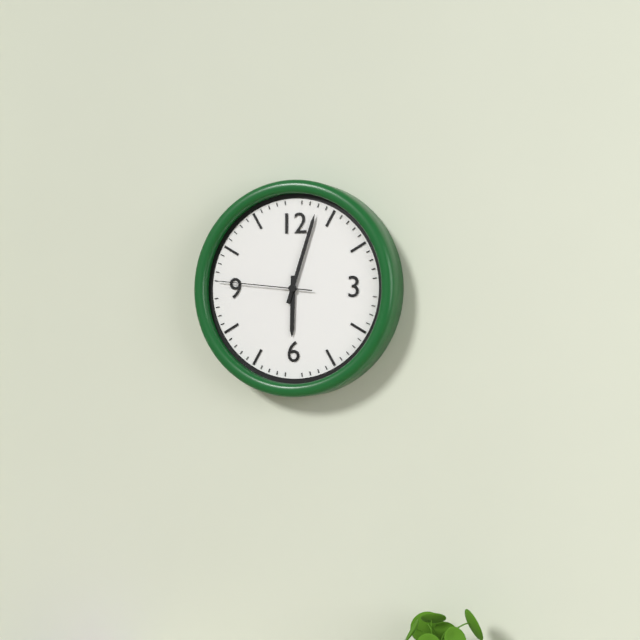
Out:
6 h 03 min 46 s
